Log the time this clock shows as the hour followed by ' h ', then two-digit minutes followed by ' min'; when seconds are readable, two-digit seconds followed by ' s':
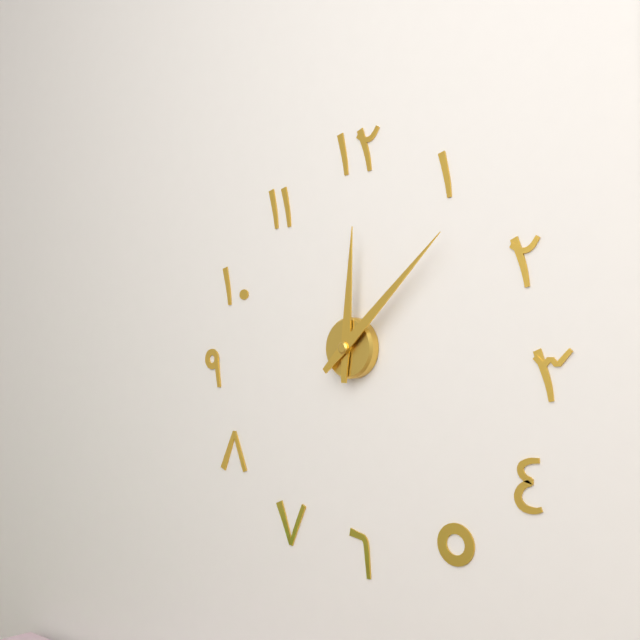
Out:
12 h 08 min
